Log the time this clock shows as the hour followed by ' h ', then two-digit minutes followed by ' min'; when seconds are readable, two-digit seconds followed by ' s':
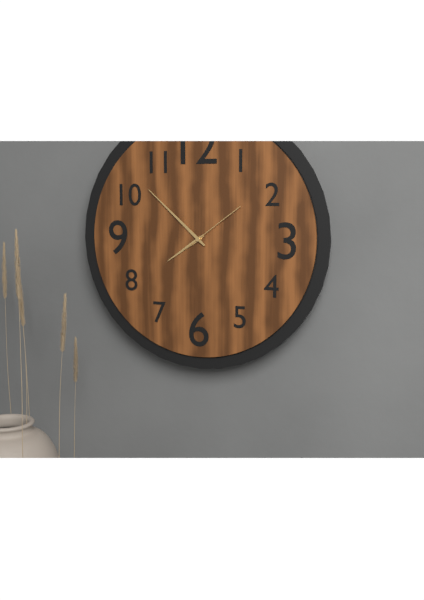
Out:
7 h 52 min 09 s
